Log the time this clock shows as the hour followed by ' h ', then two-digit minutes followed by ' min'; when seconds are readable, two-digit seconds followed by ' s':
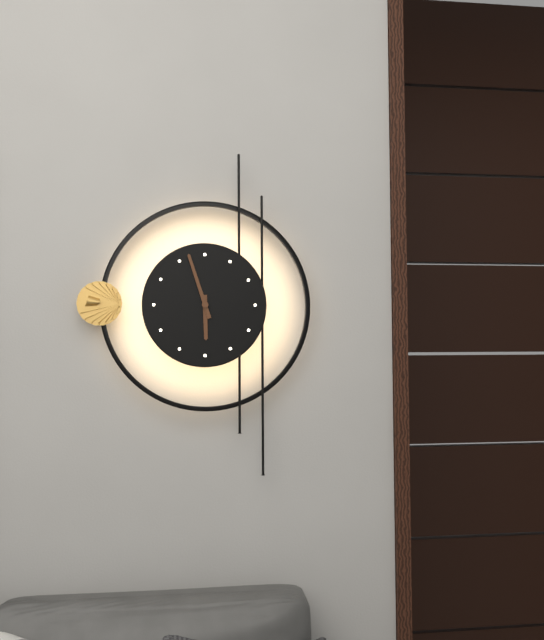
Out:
5 h 57 min
